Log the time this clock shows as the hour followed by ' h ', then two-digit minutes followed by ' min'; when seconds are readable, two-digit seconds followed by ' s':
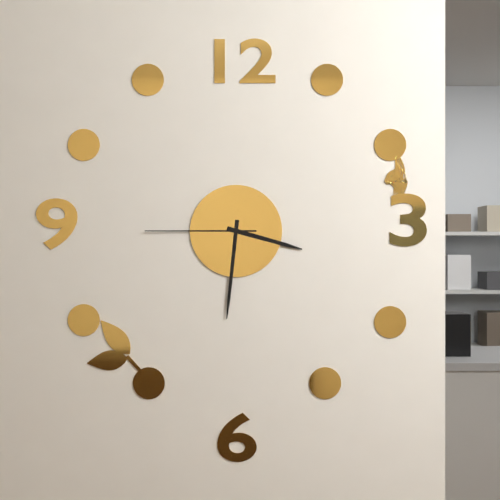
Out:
3 h 31 min 45 s
